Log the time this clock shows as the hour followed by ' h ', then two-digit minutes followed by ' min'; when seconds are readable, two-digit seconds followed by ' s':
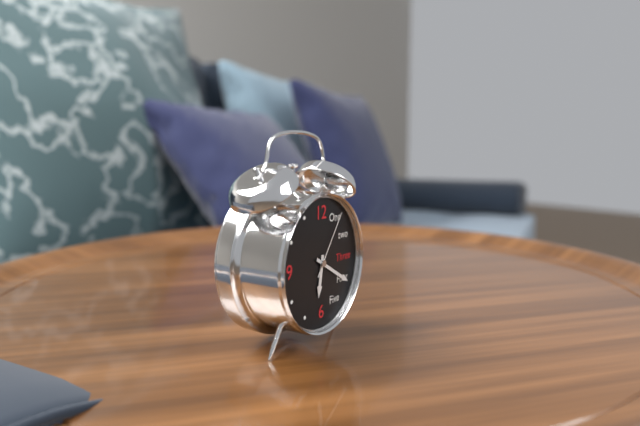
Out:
6 h 20 min 06 s
